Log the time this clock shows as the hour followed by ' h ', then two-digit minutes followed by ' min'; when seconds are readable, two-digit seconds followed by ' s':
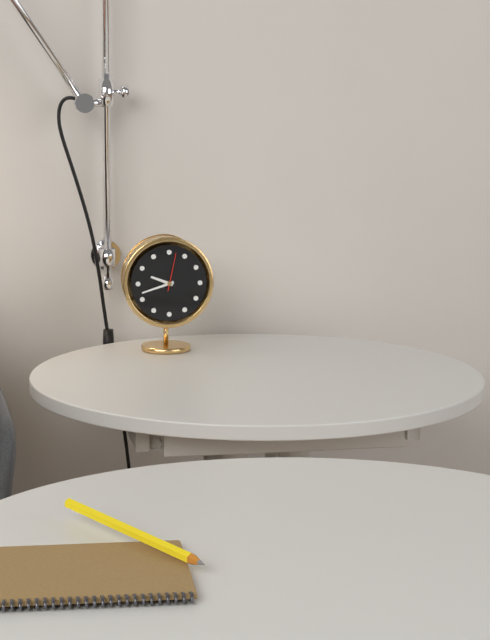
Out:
9 h 42 min
